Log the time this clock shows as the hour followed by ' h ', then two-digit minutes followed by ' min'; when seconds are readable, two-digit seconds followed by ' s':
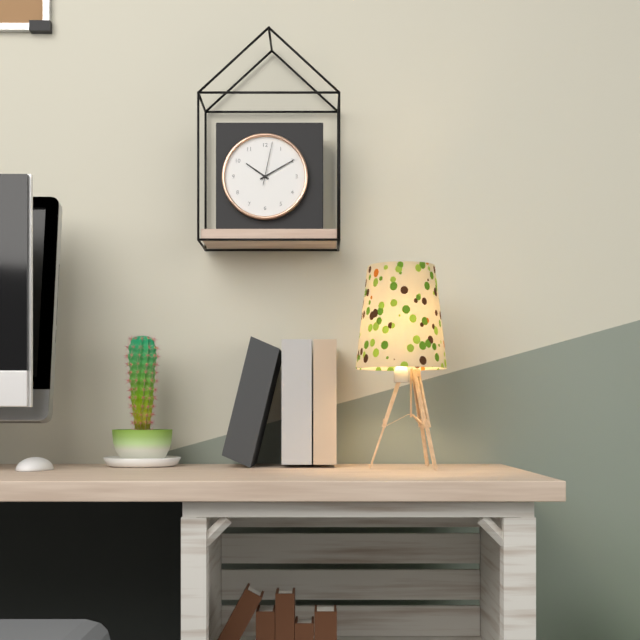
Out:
10 h 10 min
